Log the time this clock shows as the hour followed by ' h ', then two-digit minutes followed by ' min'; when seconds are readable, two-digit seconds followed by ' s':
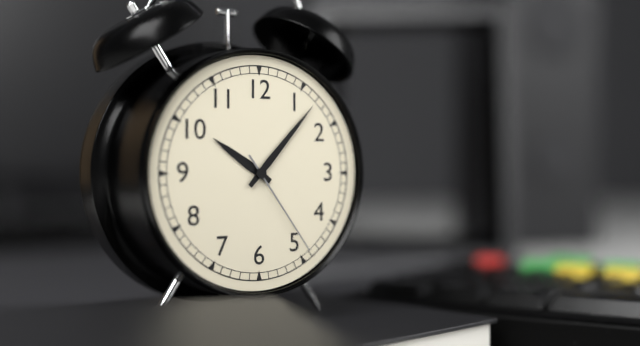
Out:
10 h 07 min 24 s
